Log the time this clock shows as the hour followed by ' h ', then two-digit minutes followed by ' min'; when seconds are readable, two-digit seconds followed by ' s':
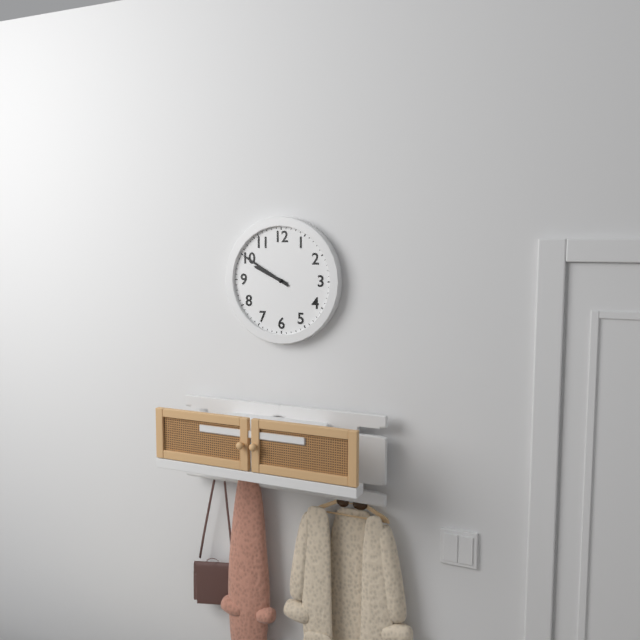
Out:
9 h 50 min
